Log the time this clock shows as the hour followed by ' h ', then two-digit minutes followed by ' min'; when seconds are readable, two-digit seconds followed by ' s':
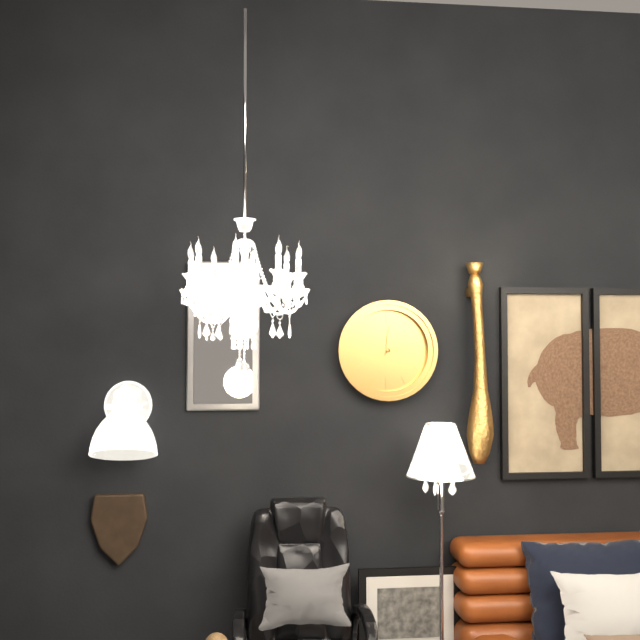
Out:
12 h 12 min
